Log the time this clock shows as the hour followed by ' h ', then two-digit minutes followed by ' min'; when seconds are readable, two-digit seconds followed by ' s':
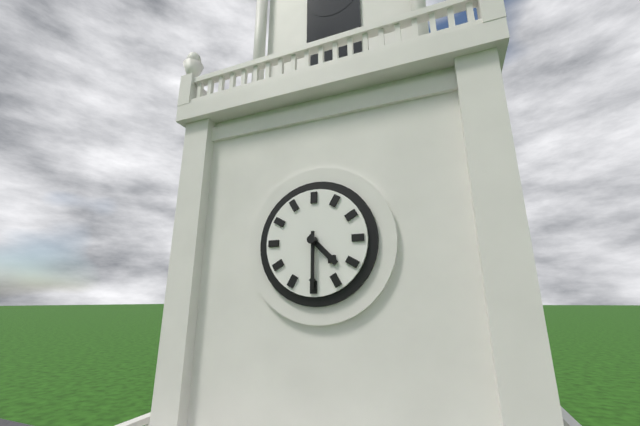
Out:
4 h 30 min
